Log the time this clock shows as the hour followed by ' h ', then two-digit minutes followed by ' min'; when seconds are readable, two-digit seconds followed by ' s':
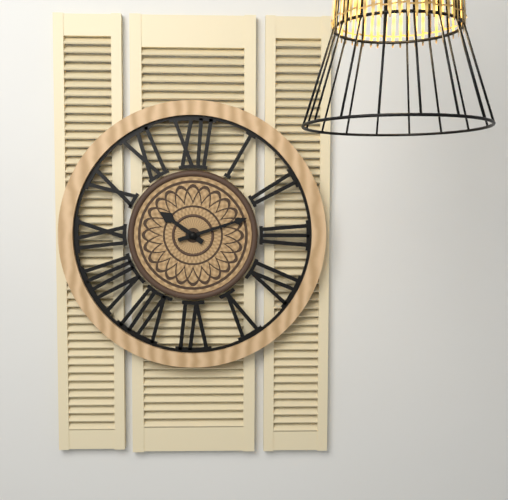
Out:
10 h 12 min
